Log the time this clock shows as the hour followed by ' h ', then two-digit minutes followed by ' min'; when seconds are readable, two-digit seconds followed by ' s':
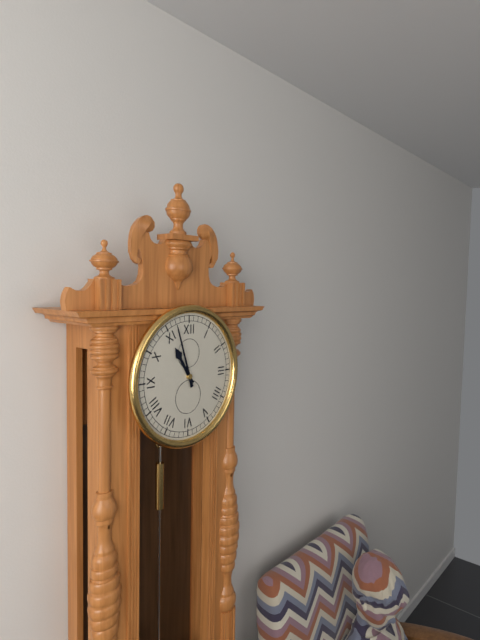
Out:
10 h 57 min
